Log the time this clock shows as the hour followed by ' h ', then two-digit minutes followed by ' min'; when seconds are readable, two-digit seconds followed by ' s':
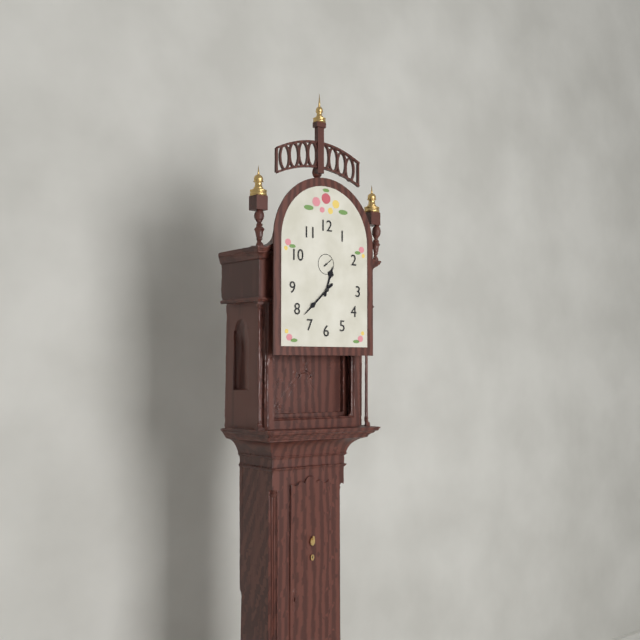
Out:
12 h 38 min
